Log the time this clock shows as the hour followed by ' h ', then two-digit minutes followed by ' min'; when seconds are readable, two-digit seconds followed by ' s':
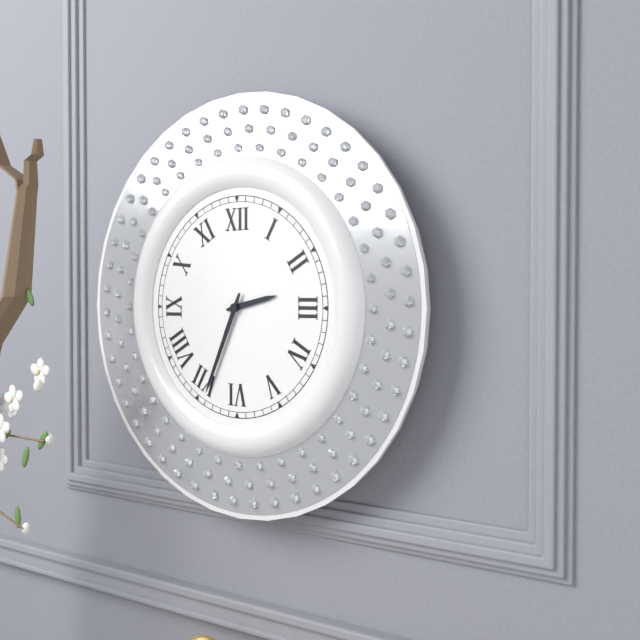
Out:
2 h 34 min
